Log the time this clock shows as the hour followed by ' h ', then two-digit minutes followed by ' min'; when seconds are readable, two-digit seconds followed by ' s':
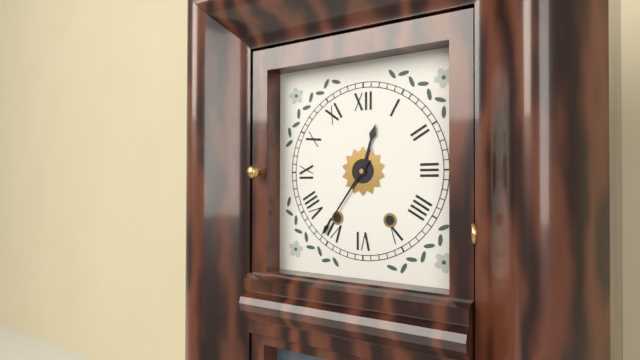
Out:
12 h 36 min
